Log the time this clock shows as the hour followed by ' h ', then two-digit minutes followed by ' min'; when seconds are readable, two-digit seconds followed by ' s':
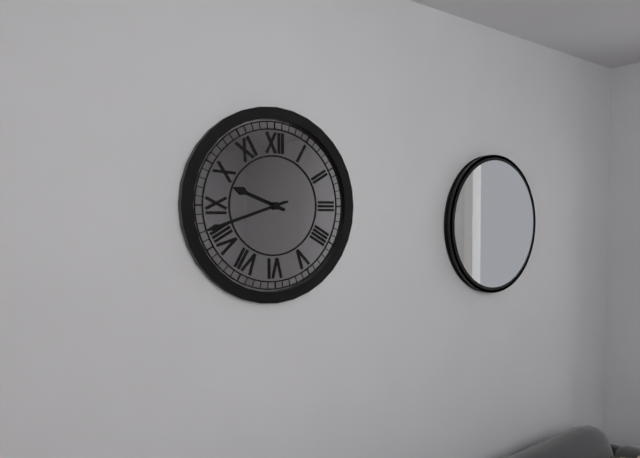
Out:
9 h 42 min
